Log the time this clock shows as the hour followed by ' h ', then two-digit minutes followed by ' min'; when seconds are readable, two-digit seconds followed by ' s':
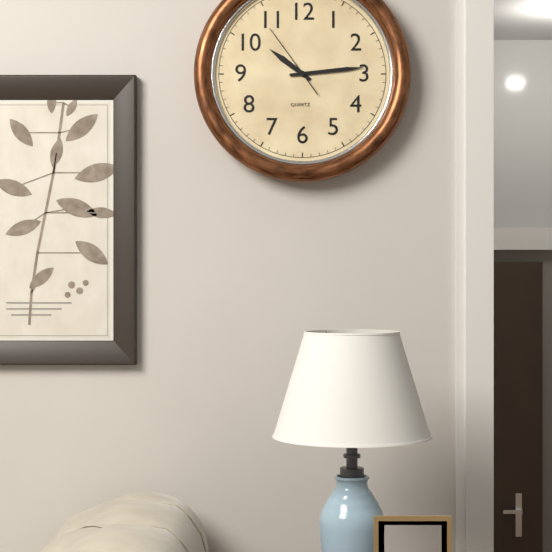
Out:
10 h 14 min 54 s
